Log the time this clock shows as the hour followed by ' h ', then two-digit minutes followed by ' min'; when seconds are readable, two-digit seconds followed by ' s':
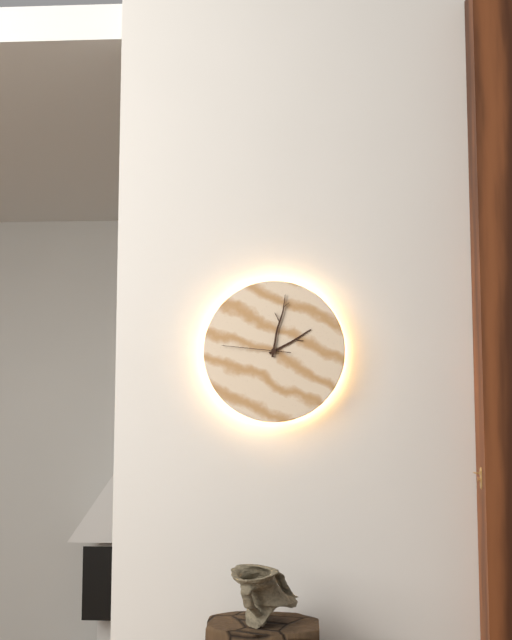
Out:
2 h 02 min 46 s
